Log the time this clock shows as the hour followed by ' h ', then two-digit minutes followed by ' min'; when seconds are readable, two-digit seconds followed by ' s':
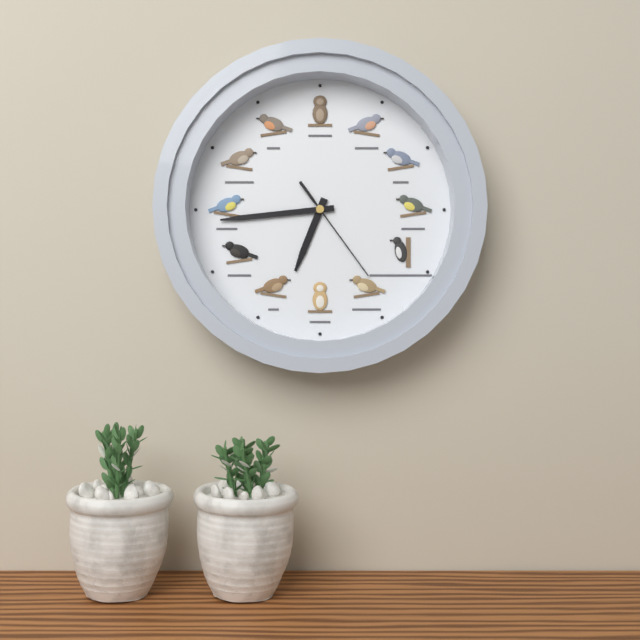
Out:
6 h 44 min 24 s
